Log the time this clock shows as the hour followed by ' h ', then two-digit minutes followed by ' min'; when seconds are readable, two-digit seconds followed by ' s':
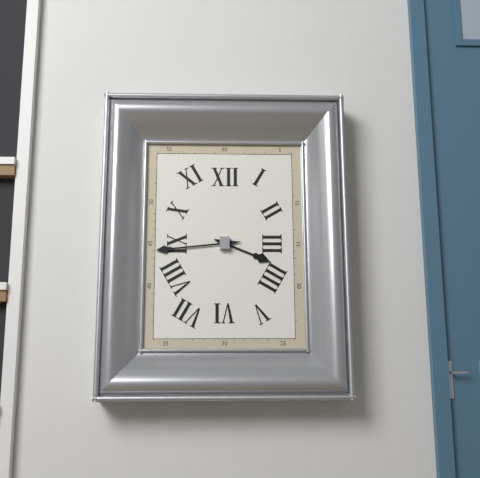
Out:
3 h 44 min
